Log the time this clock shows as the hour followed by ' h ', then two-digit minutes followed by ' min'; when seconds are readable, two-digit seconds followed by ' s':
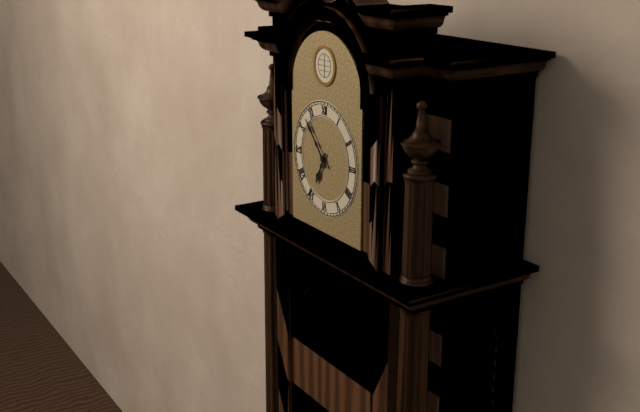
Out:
6 h 53 min
